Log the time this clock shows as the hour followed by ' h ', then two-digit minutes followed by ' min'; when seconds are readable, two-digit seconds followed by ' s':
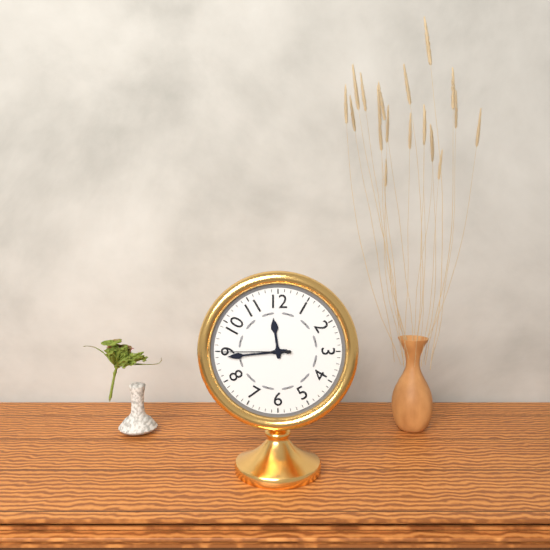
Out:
11 h 44 min 45 s
